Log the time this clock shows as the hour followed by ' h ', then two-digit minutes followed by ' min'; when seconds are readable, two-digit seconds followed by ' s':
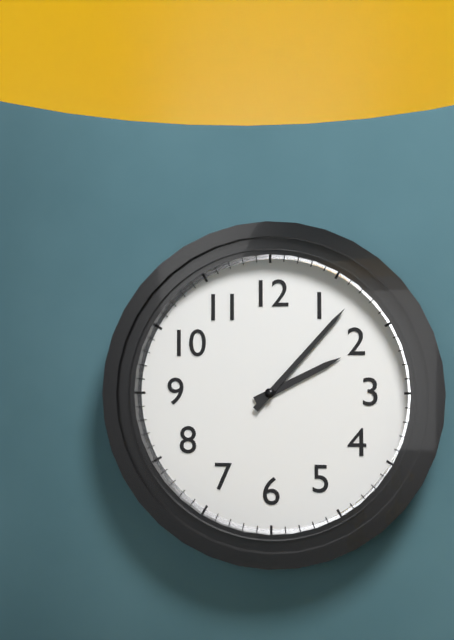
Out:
2 h 07 min
